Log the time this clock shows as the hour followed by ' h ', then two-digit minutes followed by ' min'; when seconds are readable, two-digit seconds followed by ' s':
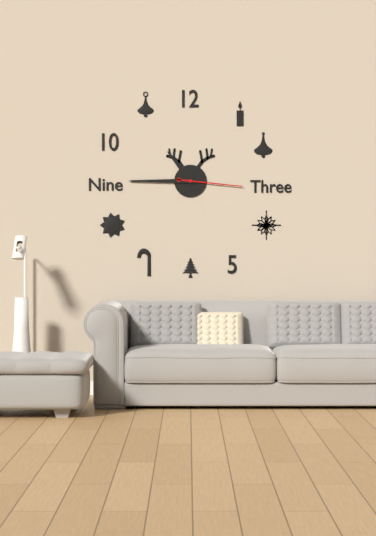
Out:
10 h 45 min 16 s
